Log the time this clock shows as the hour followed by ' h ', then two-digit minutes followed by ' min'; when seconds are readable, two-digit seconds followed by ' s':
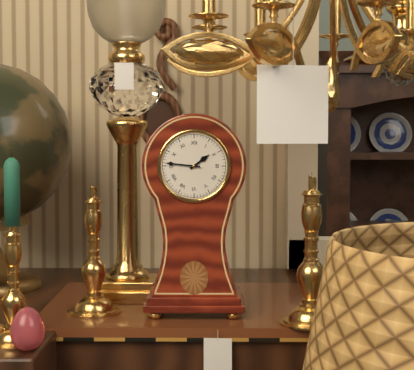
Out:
1 h 46 min
